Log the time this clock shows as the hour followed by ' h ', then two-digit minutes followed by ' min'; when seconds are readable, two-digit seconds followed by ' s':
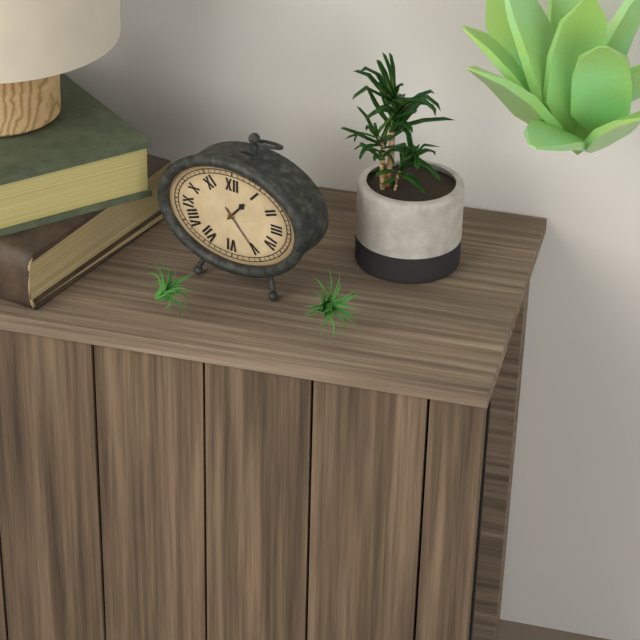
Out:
1 h 23 min
